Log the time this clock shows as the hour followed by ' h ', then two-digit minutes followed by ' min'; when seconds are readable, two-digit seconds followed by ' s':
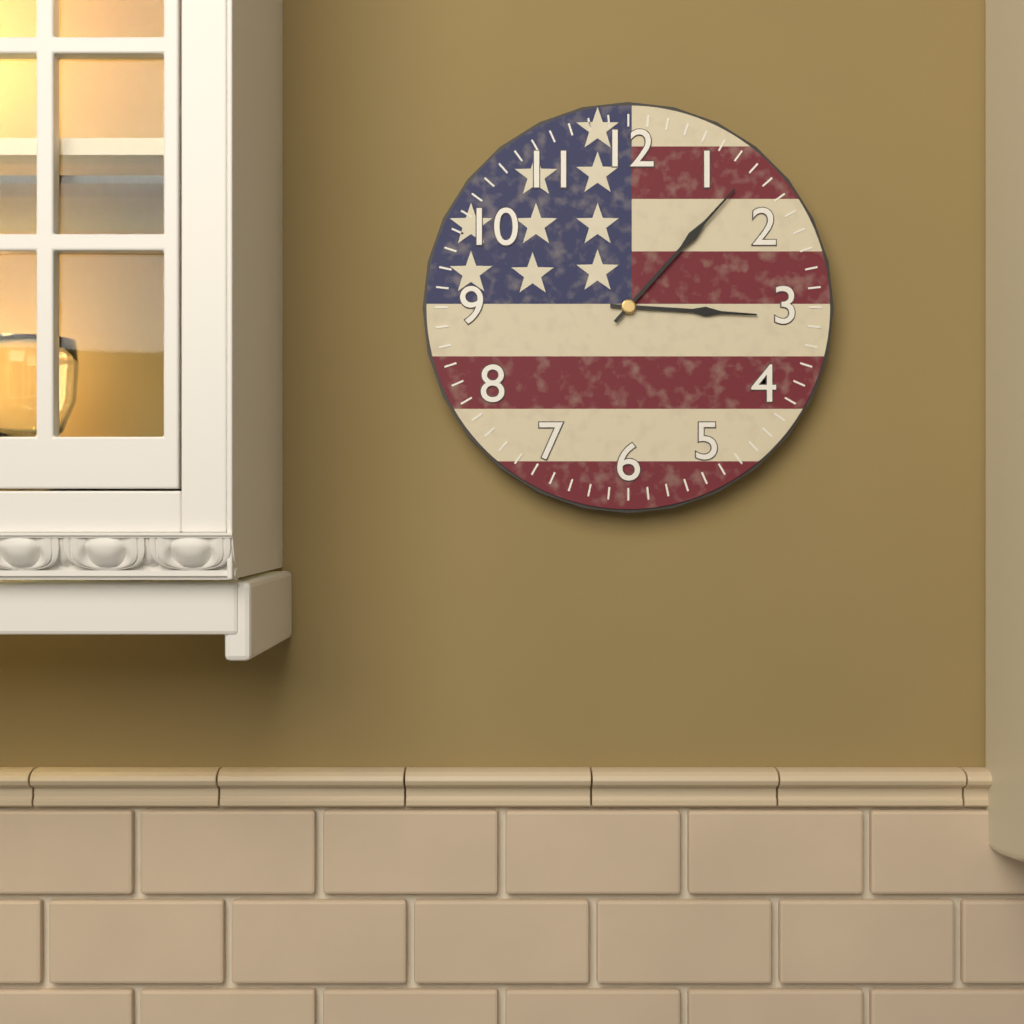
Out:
3 h 07 min
